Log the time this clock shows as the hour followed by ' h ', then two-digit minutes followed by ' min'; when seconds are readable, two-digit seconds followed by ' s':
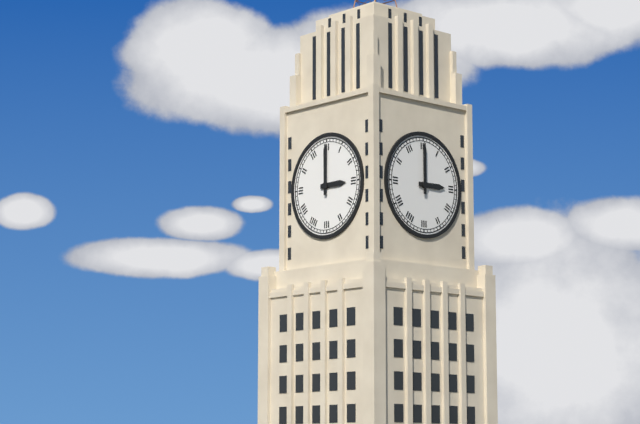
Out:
3 h 00 min
